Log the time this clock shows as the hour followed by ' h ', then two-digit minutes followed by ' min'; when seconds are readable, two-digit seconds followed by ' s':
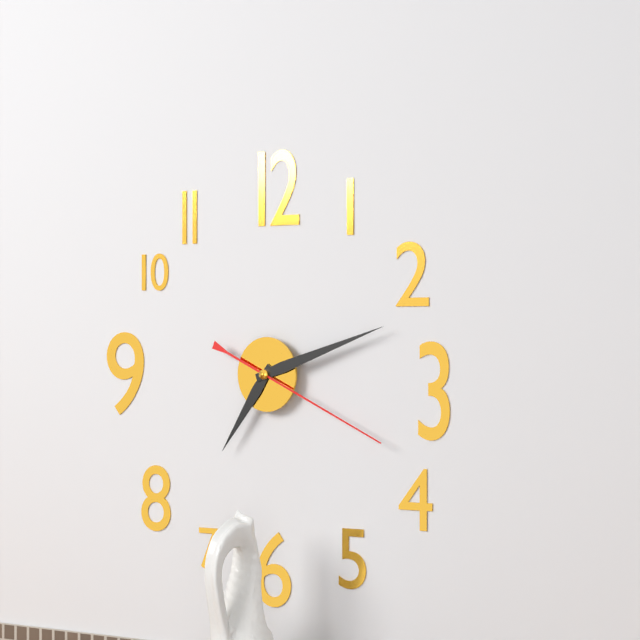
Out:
7 h 12 min 19 s
